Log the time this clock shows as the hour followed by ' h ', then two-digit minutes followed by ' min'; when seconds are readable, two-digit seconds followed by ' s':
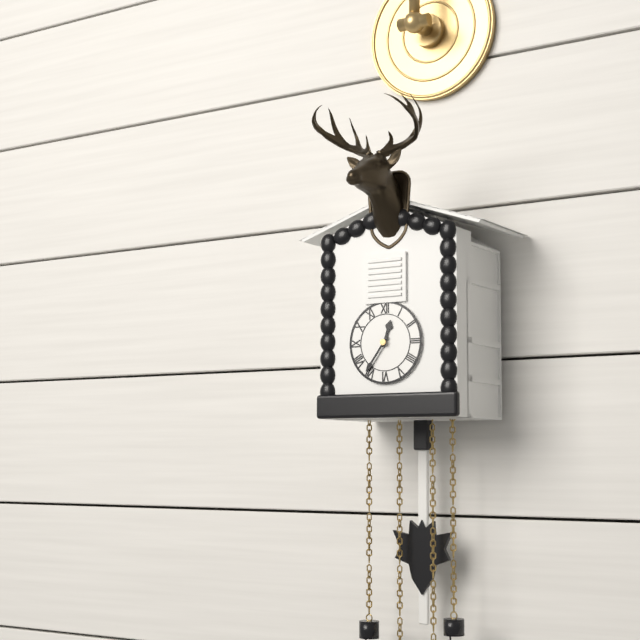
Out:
12 h 36 min
